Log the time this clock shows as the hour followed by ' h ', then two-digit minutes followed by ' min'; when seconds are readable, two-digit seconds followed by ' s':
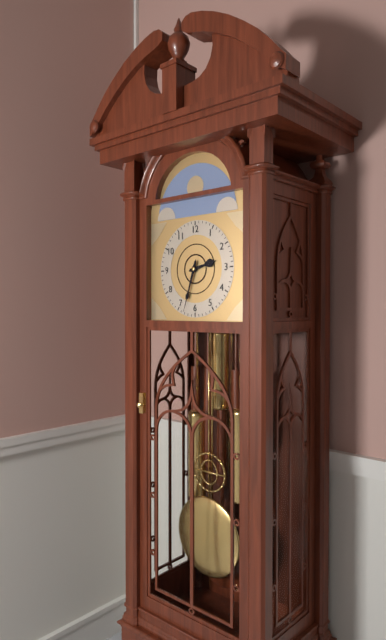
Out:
2 h 33 min
